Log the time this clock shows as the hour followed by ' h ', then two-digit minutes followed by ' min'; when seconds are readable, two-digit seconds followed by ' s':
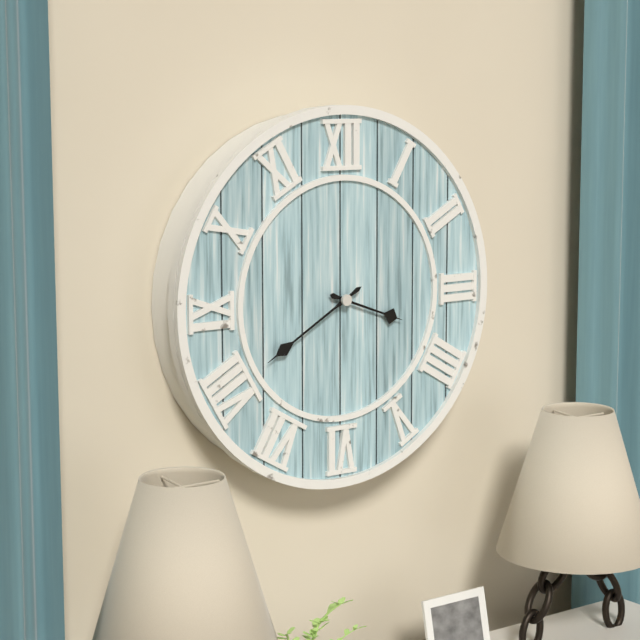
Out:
3 h 40 min
